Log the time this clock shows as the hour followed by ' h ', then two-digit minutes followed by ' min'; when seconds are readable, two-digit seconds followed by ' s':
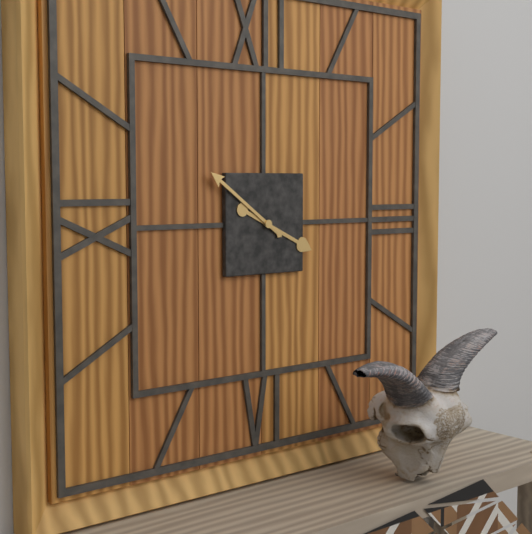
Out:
3 h 51 min
